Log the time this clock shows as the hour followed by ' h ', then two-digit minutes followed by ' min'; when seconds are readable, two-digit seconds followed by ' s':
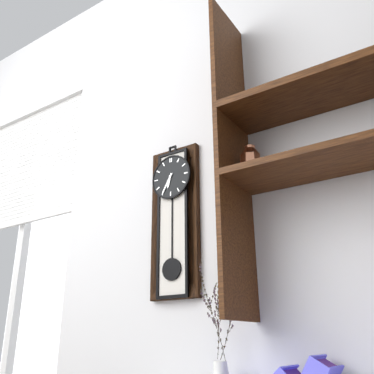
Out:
6 h 35 min
